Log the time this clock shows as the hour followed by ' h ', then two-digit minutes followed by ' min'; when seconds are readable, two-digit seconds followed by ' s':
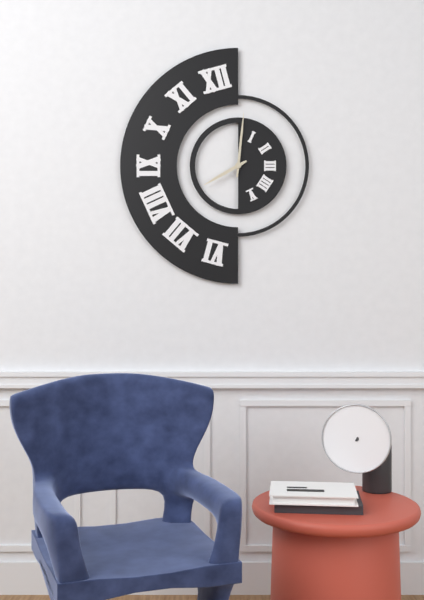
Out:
8 h 01 min
